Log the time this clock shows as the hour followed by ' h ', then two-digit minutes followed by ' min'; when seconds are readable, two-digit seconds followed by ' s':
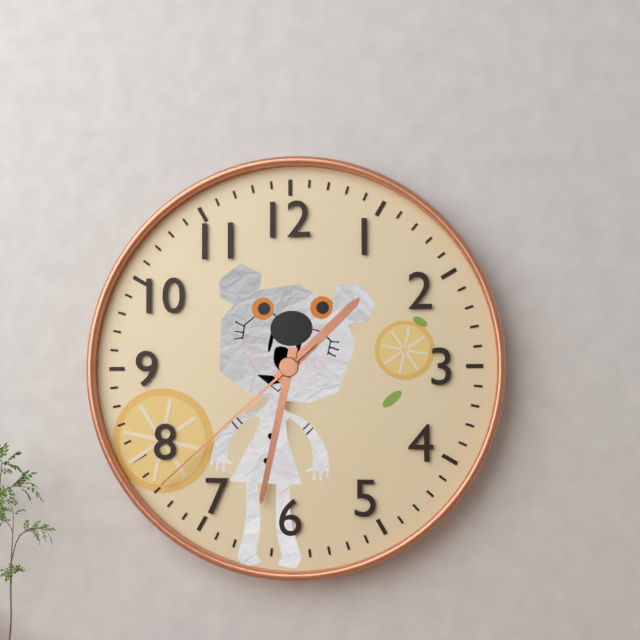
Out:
1 h 32 min 38 s
